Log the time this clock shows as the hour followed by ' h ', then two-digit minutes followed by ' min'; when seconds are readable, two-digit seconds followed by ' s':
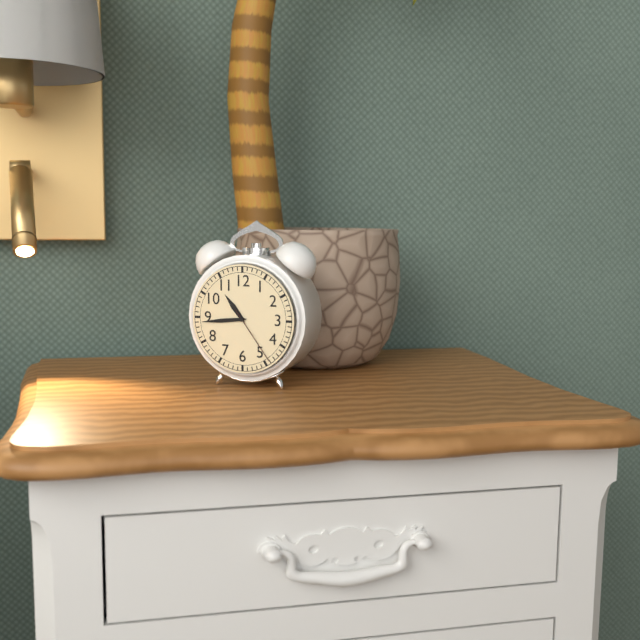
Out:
10 h 44 min 24 s
